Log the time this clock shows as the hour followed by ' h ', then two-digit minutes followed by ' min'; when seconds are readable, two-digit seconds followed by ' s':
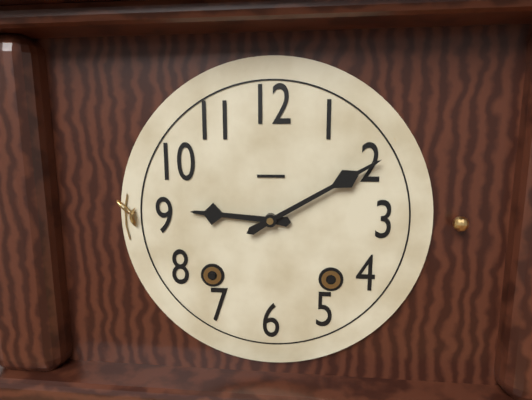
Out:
9 h 10 min
